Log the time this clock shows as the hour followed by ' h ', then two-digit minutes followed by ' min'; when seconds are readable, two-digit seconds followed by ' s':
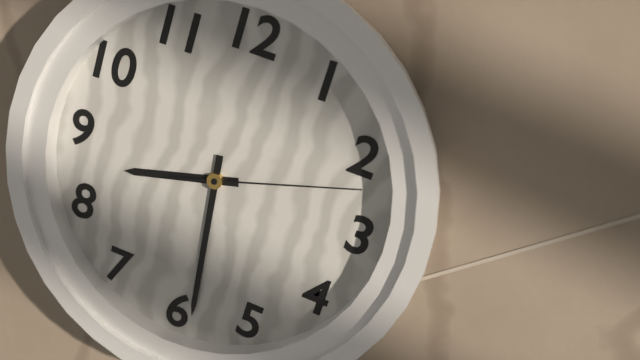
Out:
8 h 29 min 12 s
